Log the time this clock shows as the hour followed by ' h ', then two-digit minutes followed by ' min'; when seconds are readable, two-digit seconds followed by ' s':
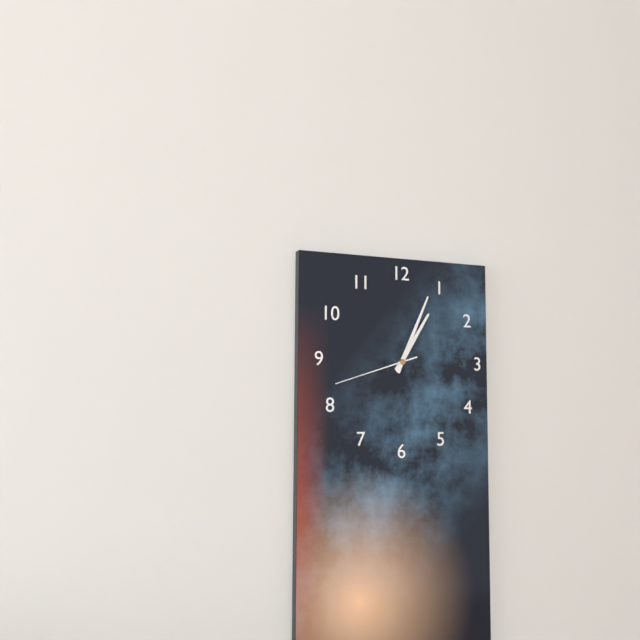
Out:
1 h 04 min 42 s
